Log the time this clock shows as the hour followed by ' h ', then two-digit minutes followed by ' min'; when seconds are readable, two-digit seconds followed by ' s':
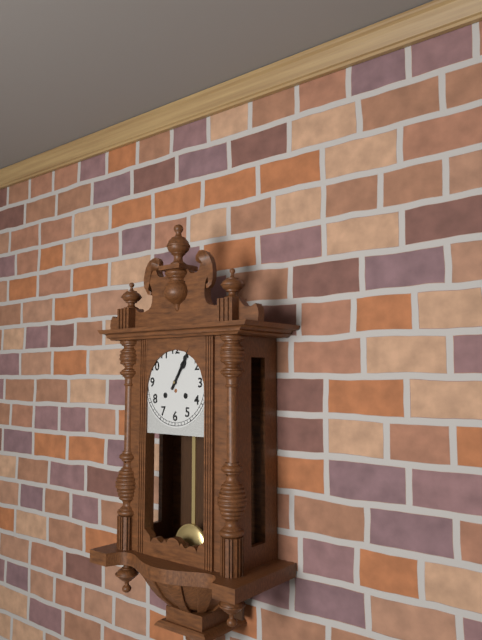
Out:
1 h 05 min
